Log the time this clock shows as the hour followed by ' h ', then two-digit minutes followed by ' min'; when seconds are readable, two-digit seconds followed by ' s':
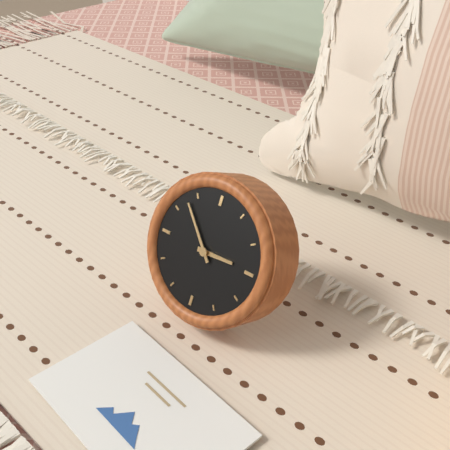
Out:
2 h 53 min
